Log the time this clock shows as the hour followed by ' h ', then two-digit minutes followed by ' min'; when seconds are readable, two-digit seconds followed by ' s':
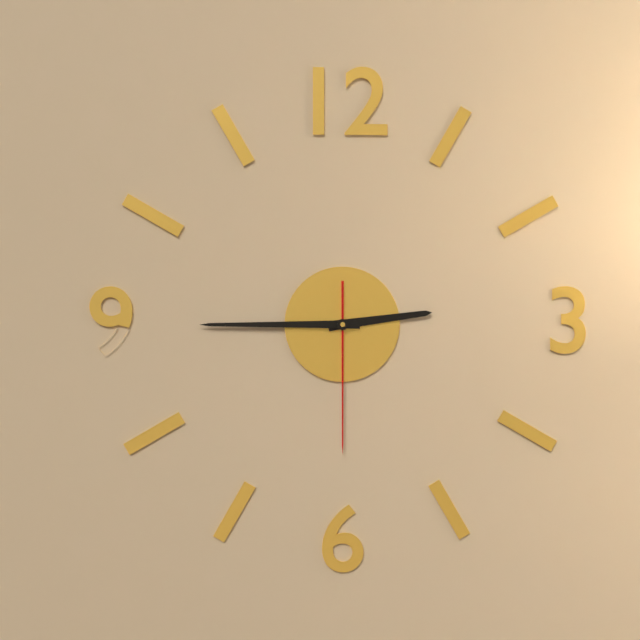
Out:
2 h 45 min 30 s
